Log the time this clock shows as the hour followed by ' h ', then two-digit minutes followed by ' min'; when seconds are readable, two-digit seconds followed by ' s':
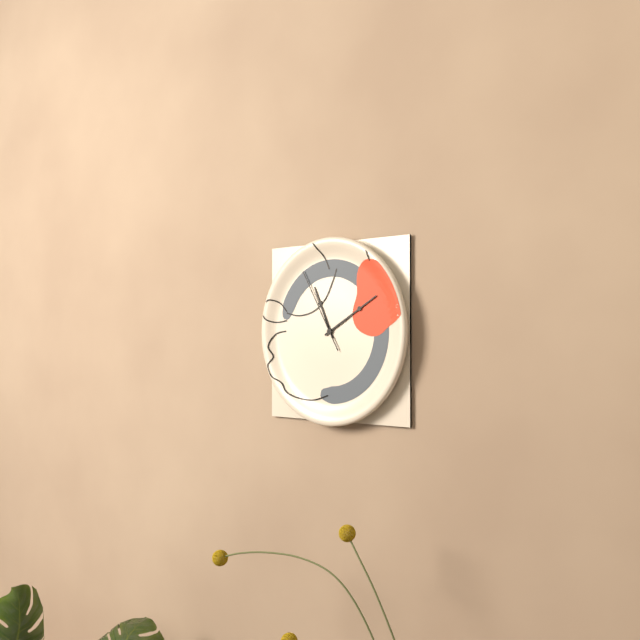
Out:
11 h 10 min 55 s
